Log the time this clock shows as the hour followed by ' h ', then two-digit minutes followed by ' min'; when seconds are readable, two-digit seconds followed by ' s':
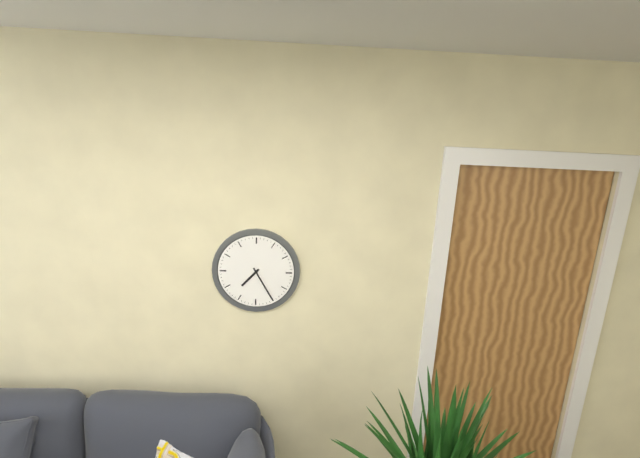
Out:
7 h 25 min
